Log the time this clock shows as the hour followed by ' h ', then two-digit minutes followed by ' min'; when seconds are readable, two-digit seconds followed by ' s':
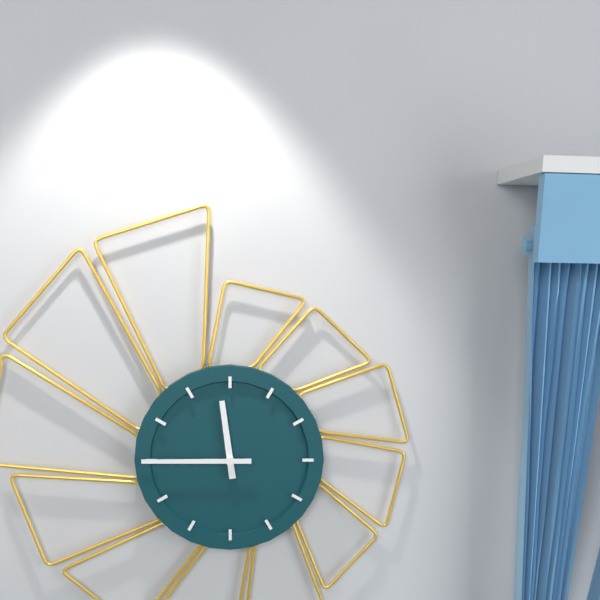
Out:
11 h 45 min
